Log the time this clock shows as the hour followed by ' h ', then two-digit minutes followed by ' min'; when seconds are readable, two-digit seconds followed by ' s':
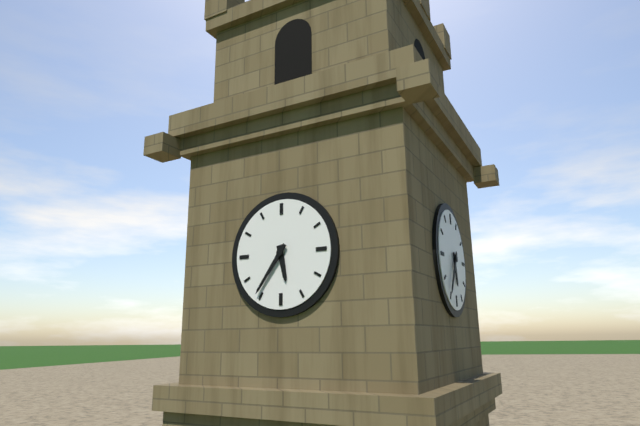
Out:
5 h 36 min
